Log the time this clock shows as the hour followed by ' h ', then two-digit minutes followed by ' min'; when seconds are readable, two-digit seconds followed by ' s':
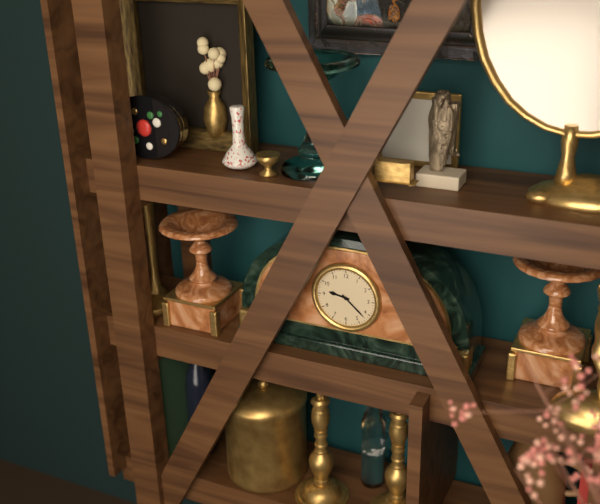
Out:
9 h 22 min
